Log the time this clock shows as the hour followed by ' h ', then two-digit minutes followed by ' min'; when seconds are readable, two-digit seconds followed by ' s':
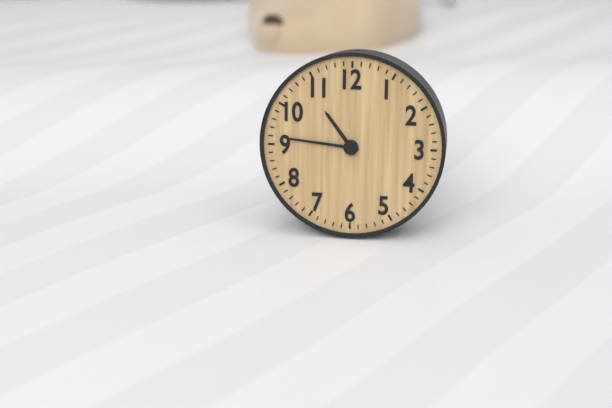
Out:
10 h 46 min
